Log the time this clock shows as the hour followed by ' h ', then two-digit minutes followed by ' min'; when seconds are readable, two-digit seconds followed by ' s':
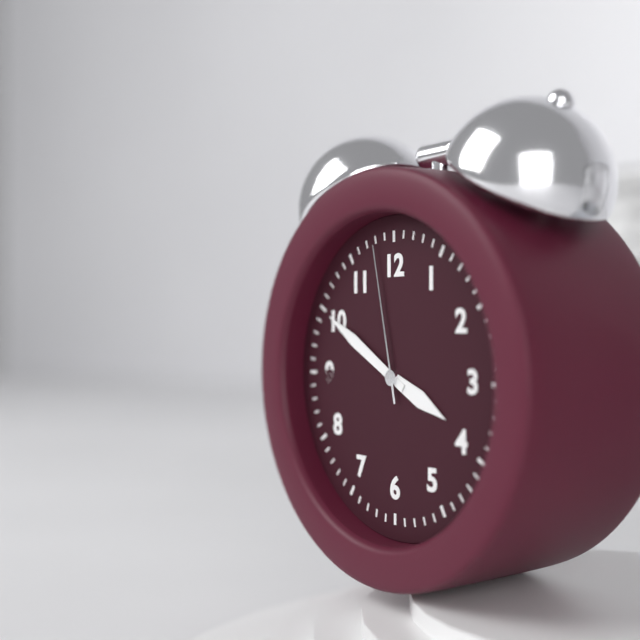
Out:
3 h 50 min 58 s
